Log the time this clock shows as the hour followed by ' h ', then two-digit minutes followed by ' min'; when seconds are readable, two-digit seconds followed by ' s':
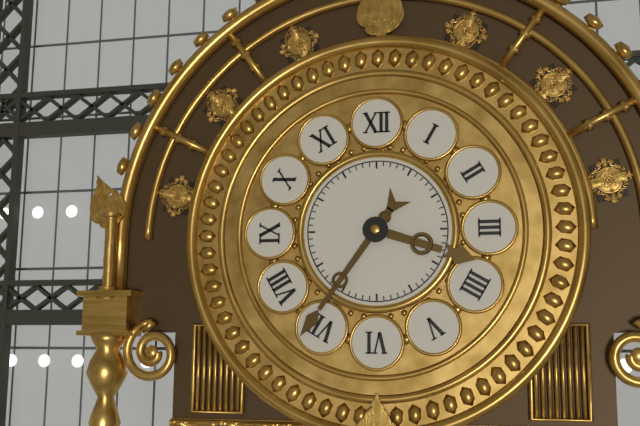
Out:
3 h 36 min
